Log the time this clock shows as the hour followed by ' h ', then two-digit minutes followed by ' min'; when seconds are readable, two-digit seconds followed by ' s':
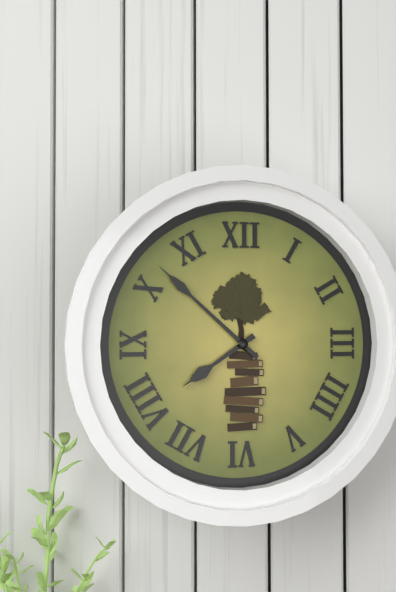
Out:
7 h 52 min
